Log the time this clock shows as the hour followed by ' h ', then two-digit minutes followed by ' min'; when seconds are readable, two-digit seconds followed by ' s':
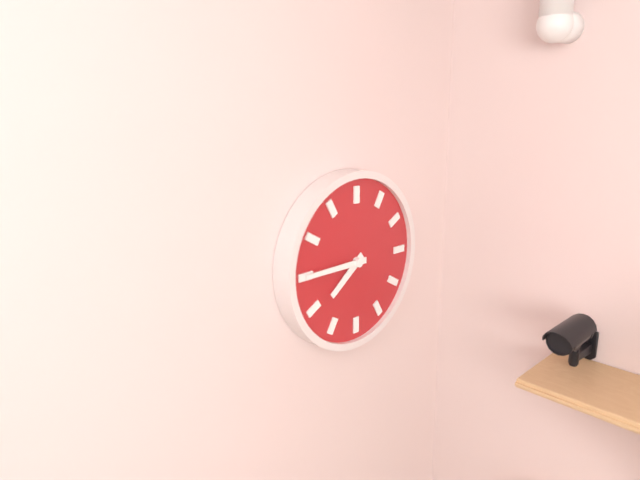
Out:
7 h 45 min
